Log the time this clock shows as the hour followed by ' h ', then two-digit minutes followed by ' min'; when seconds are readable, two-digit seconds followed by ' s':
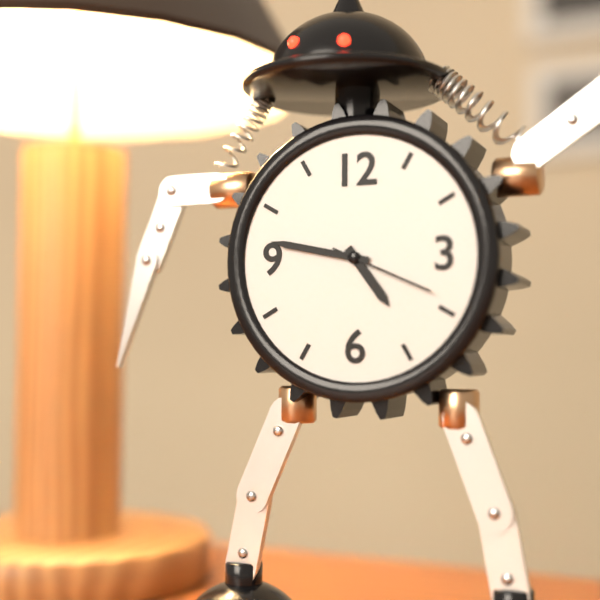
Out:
4 h 47 min 19 s
